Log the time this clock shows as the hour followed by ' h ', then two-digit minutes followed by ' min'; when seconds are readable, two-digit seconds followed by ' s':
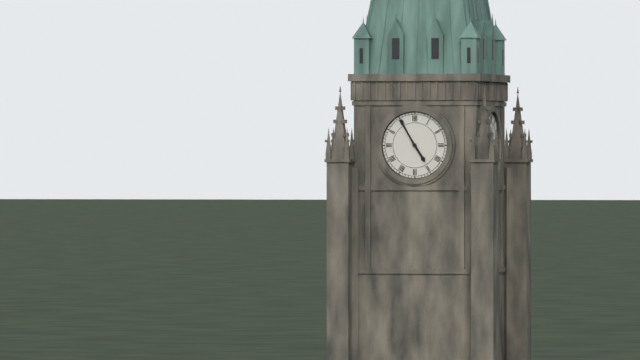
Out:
4 h 55 min
